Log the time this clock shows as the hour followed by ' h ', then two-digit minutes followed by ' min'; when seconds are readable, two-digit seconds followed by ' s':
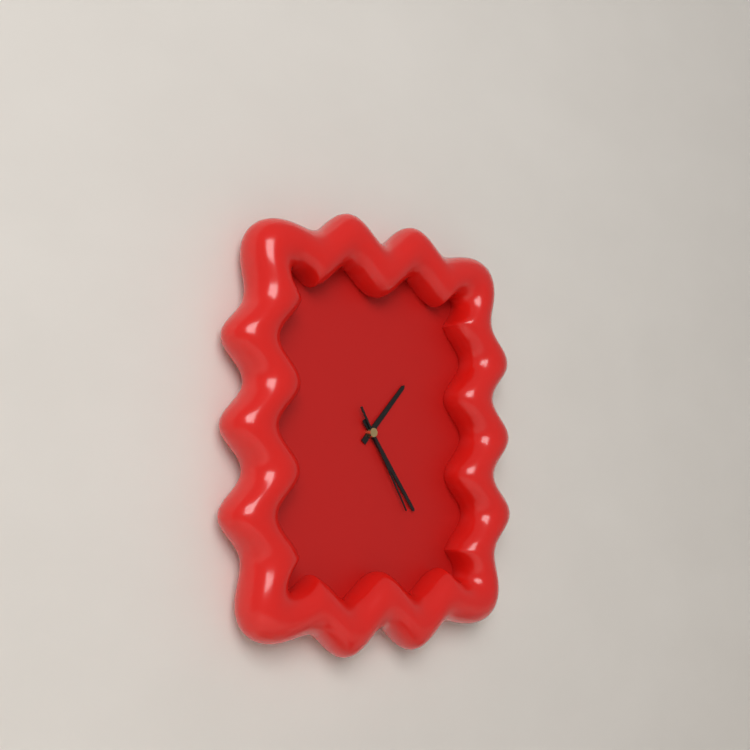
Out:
1 h 24 min 25 s
